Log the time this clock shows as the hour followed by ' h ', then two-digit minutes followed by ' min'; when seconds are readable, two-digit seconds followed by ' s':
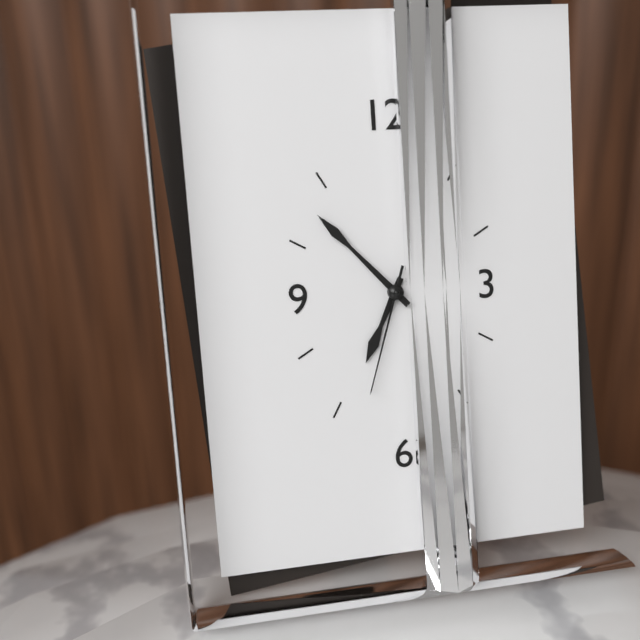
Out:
6 h 53 min 33 s
